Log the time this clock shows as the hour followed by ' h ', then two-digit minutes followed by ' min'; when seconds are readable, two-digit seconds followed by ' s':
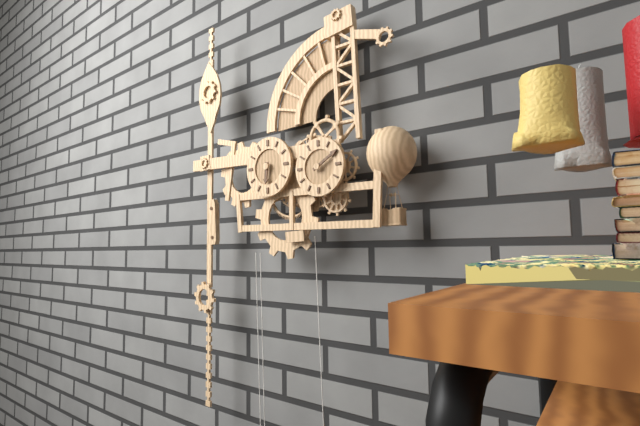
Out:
6 h 10 min
